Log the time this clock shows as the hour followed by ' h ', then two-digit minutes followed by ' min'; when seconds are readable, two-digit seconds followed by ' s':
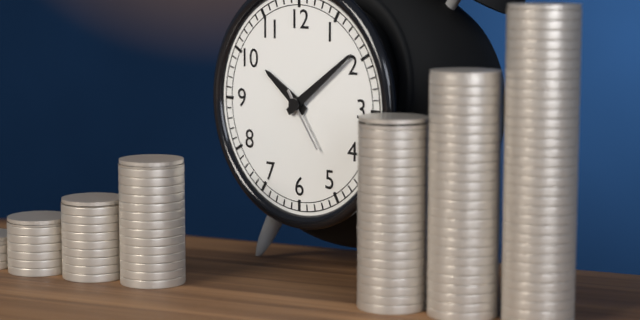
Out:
10 h 09 min 24 s
